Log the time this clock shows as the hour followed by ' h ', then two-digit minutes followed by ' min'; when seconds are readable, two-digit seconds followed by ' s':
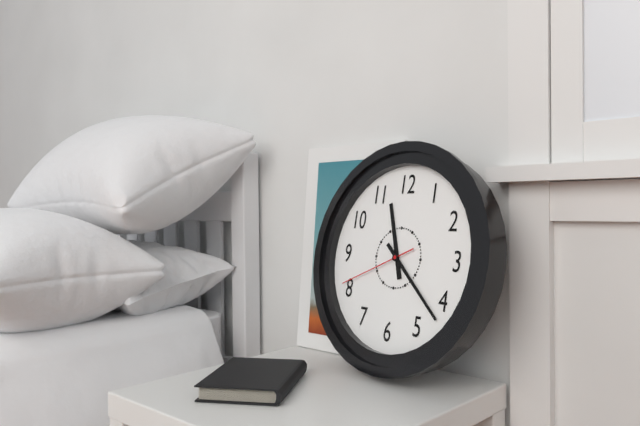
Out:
11 h 22 min 41 s
